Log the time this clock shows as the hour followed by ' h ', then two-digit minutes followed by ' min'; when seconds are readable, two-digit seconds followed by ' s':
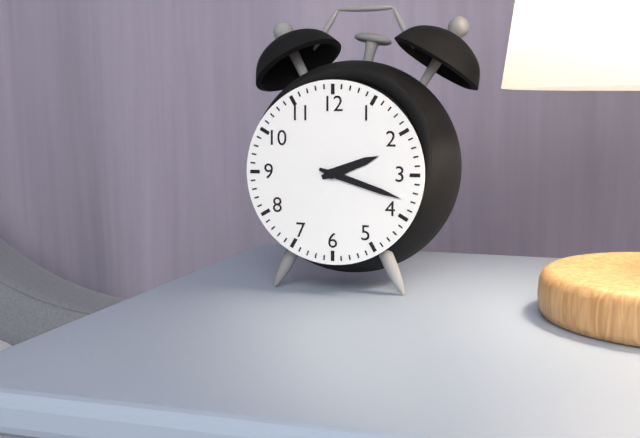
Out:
2 h 18 min
